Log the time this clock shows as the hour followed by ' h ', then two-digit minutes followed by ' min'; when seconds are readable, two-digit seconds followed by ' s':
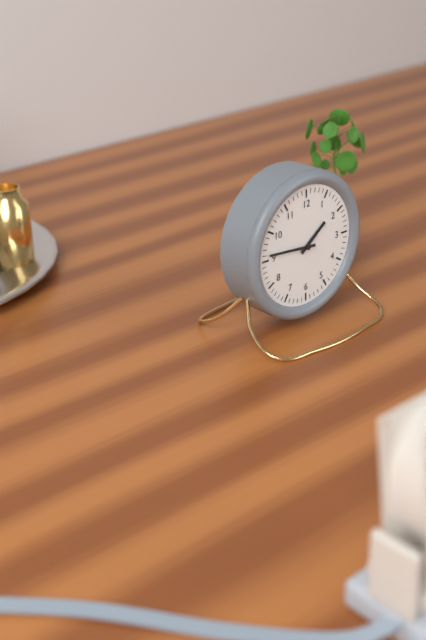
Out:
1 h 46 min
